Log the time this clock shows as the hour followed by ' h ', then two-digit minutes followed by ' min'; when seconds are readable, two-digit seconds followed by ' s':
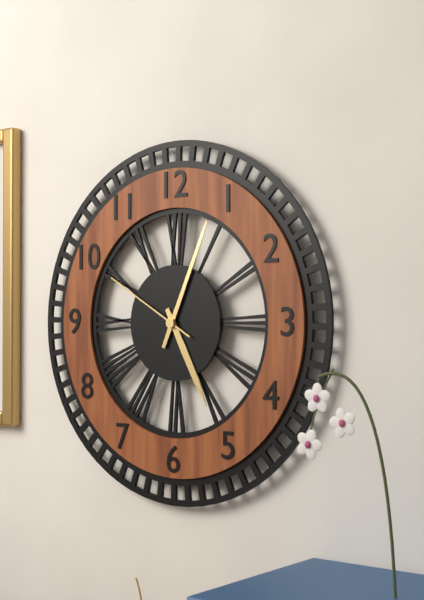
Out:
5 h 04 min 50 s
